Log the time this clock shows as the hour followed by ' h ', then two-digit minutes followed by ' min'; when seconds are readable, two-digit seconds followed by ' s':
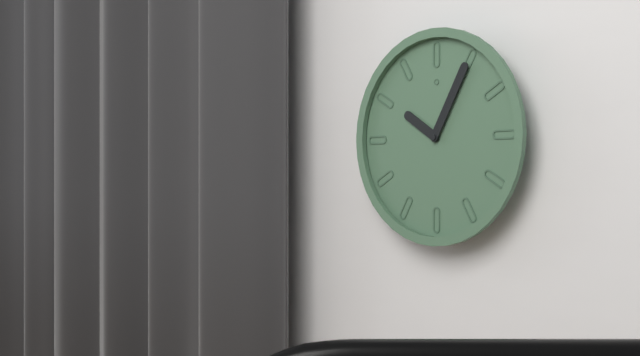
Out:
10 h 05 min
